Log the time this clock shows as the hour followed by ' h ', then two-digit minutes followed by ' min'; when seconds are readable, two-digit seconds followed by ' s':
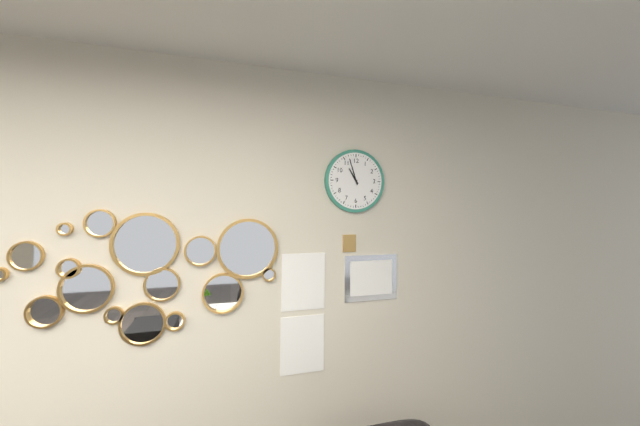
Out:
10 h 57 min
